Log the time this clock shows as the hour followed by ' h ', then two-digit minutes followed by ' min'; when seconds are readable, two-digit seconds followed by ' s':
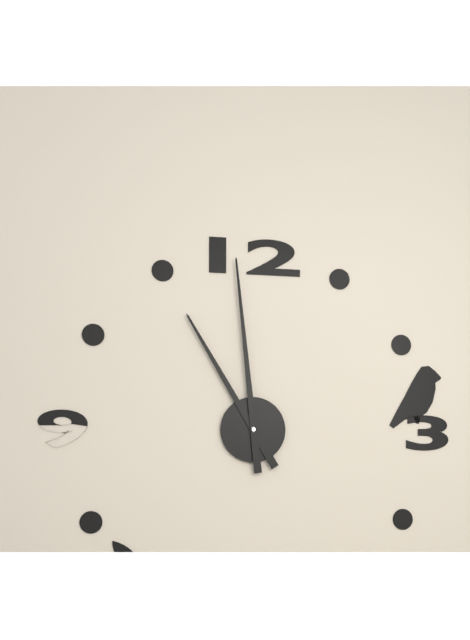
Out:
10 h 59 min
